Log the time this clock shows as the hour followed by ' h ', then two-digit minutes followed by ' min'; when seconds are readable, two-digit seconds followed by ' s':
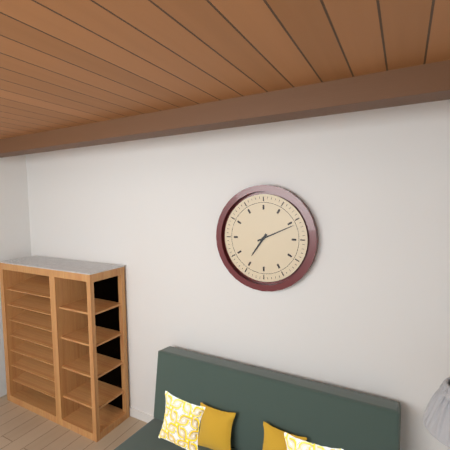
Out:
7 h 11 min
